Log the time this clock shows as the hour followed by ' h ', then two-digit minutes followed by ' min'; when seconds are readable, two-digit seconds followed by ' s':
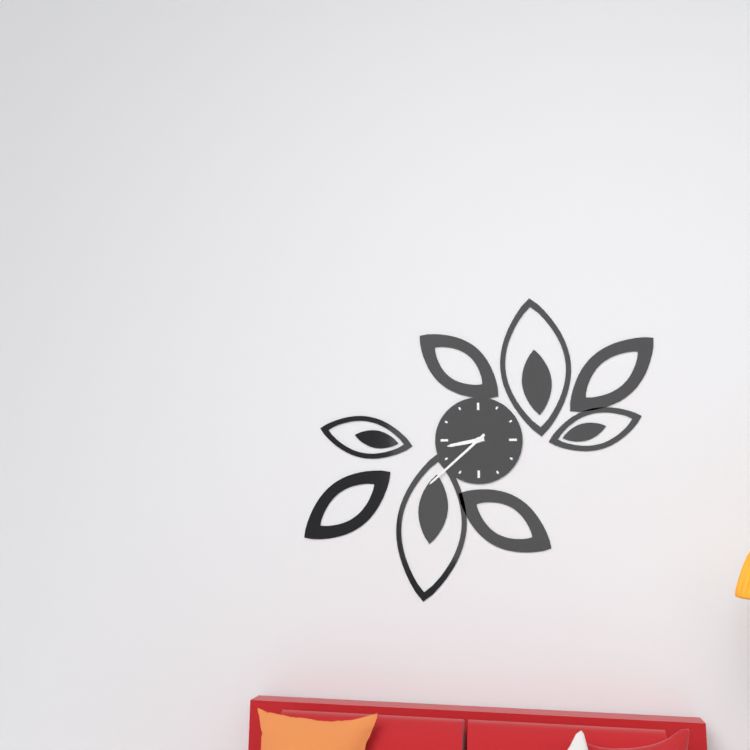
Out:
8 h 38 min
